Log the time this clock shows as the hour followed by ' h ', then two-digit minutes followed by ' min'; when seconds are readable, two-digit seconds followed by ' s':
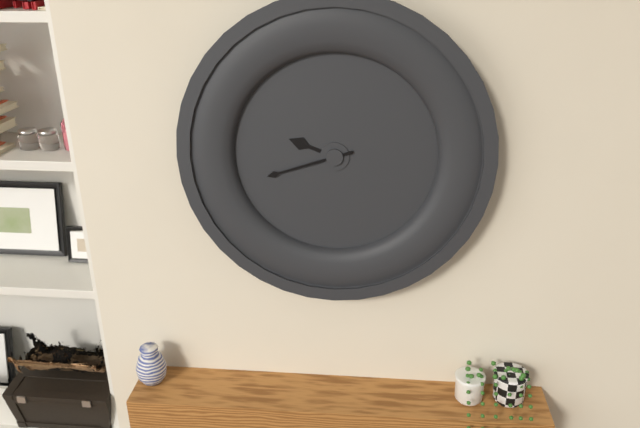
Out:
9 h 42 min
